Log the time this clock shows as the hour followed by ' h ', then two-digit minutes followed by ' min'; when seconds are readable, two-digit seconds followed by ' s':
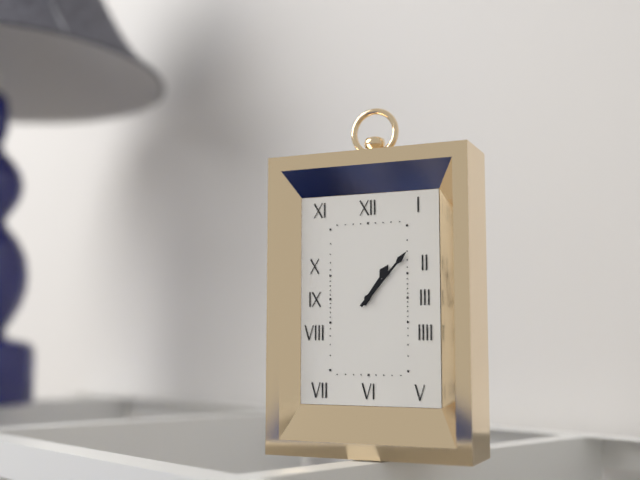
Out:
1 h 07 min
